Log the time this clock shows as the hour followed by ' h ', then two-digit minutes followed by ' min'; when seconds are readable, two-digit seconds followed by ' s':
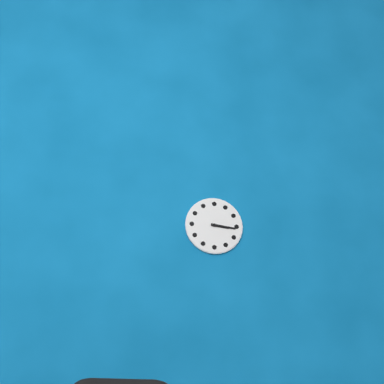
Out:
3 h 16 min
